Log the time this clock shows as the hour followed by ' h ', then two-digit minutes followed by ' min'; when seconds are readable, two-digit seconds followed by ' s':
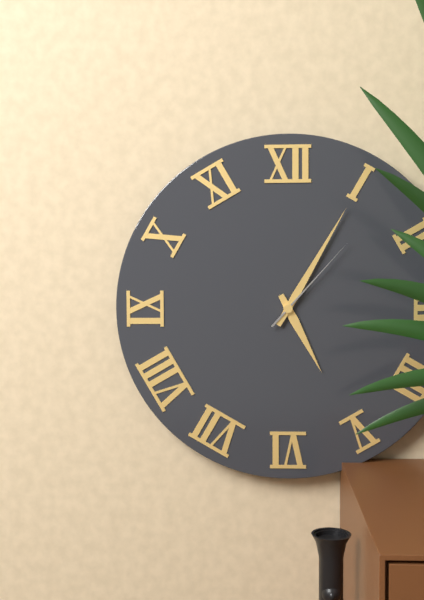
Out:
5 h 05 min 07 s
